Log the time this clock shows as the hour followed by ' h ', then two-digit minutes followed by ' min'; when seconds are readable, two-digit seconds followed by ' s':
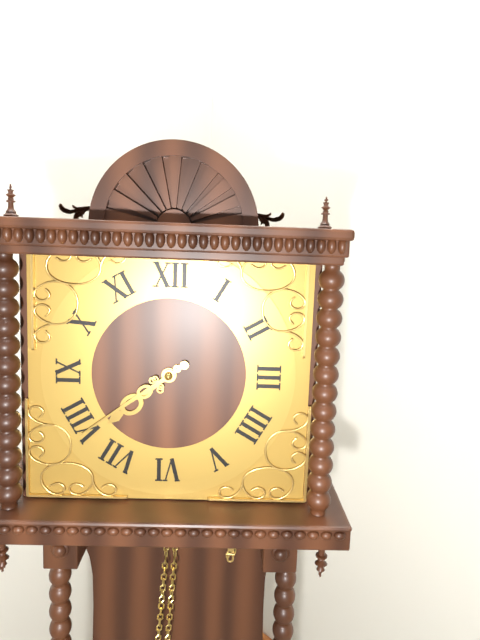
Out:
7 h 39 min
